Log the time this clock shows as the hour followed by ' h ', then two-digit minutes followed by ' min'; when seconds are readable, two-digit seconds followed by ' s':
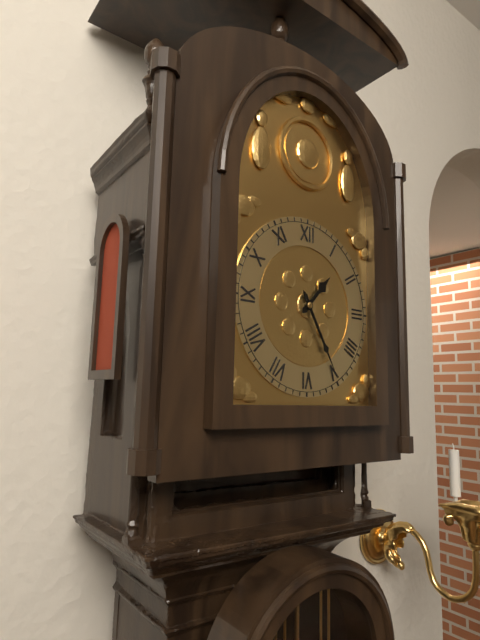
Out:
1 h 25 min
